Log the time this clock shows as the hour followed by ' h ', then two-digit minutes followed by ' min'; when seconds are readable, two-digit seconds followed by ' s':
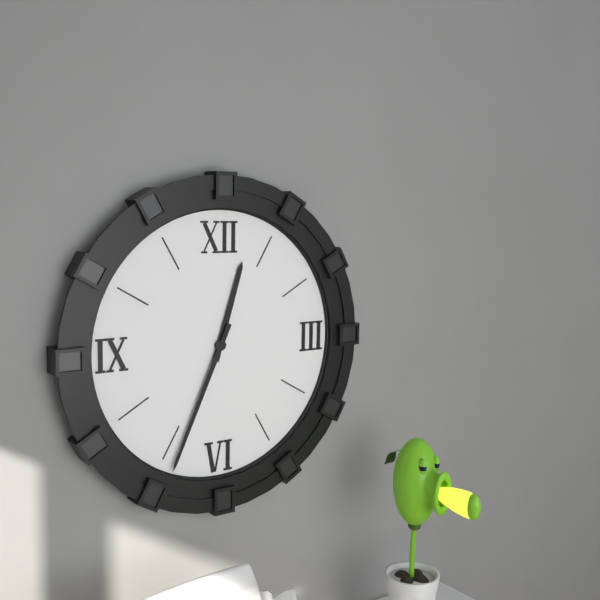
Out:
12 h 34 min
